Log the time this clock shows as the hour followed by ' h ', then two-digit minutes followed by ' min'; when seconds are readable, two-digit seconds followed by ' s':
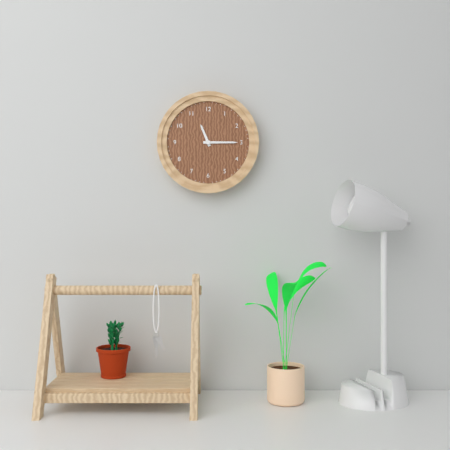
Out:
11 h 15 min
